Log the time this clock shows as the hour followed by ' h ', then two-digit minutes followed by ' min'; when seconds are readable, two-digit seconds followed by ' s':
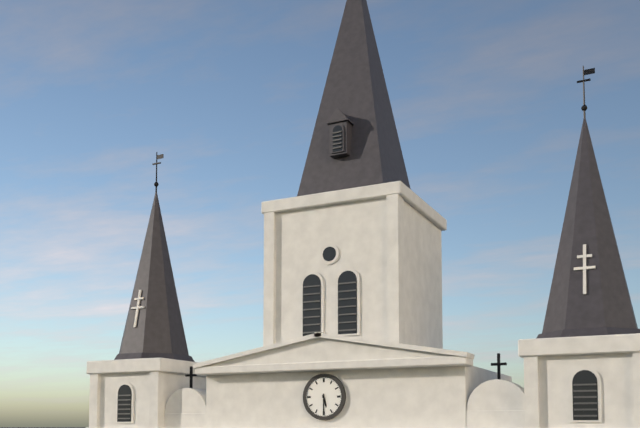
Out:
5 h 30 min
